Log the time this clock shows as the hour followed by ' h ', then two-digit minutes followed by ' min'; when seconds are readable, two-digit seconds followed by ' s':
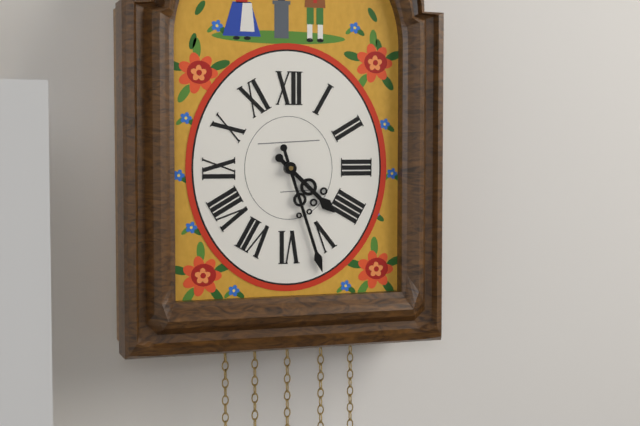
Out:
4 h 27 min
